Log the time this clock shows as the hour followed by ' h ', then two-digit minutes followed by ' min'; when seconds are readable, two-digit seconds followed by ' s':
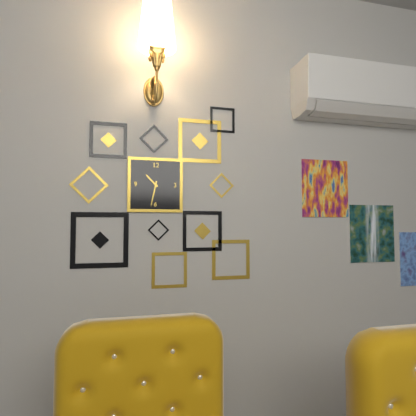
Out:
10 h 32 min
